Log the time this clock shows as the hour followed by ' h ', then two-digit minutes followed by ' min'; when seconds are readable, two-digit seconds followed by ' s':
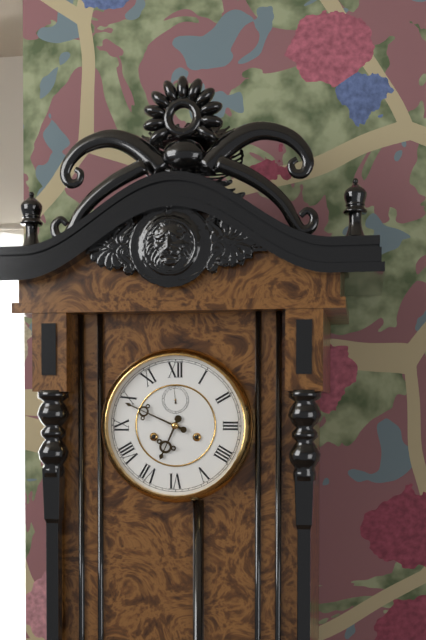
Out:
6 h 49 min
